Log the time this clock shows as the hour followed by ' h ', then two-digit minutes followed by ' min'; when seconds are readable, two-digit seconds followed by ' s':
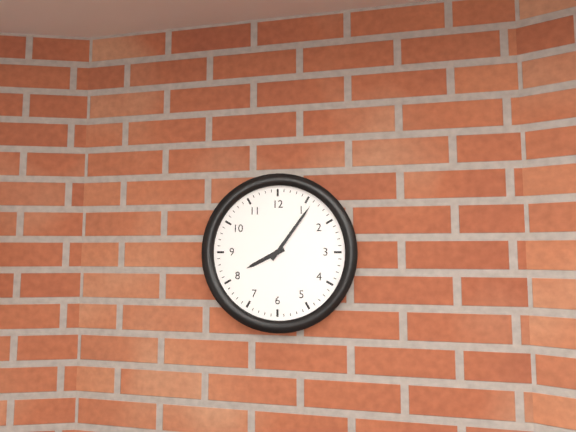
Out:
8 h 06 min
